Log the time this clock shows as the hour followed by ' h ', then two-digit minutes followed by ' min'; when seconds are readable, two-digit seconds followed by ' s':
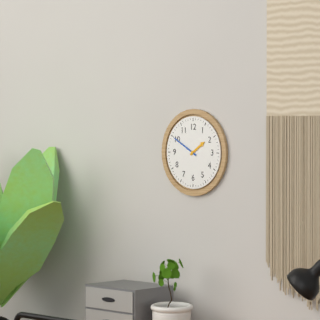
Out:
1 h 50 min
